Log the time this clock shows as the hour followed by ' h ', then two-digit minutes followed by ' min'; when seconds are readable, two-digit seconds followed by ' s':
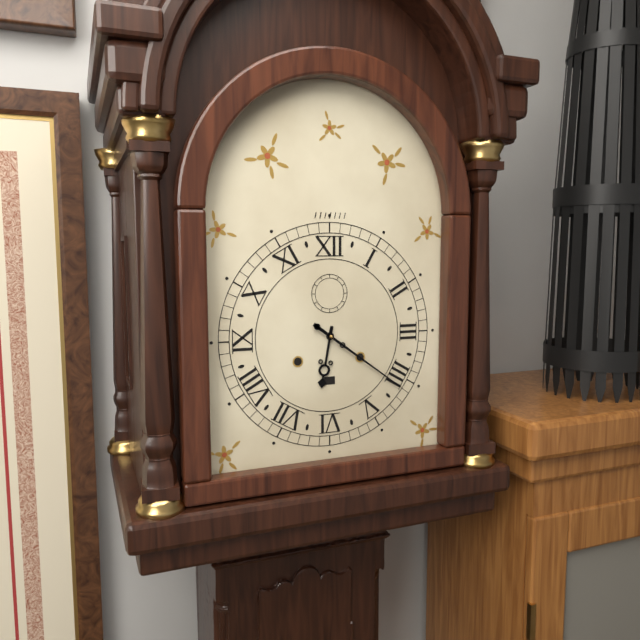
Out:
6 h 21 min
